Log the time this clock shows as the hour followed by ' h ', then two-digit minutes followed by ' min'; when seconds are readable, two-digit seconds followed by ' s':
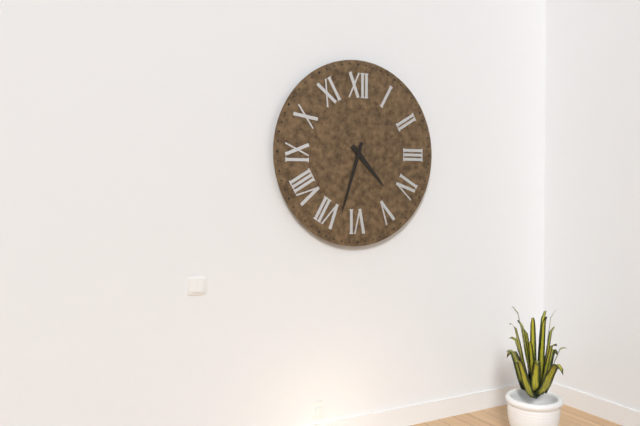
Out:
4 h 33 min
